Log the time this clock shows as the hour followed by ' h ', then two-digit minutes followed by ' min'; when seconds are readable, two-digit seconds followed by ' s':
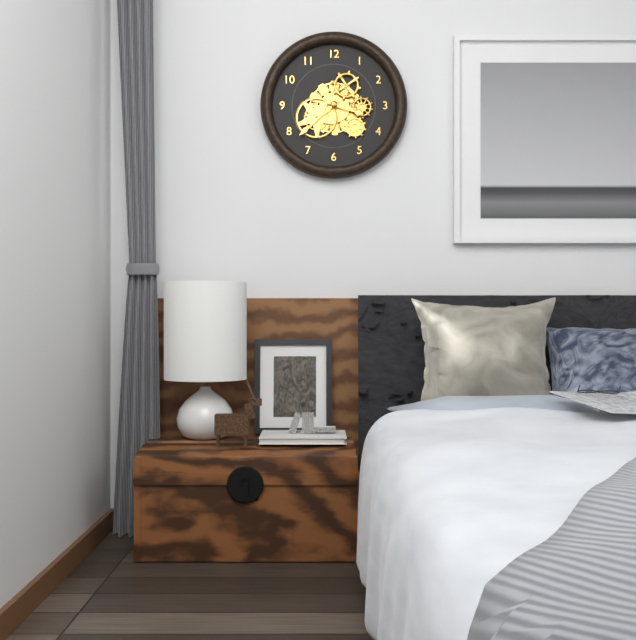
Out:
3 h 38 min
